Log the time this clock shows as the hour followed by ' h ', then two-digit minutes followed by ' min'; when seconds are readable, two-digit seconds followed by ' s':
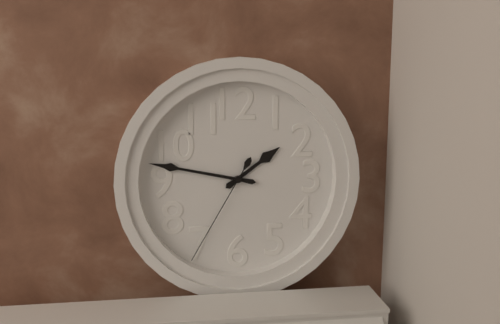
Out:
1 h 47 min 35 s
